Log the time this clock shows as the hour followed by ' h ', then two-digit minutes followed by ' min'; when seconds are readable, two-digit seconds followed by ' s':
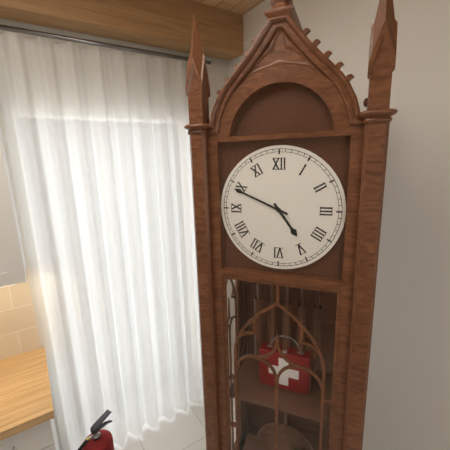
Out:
4 h 49 min
